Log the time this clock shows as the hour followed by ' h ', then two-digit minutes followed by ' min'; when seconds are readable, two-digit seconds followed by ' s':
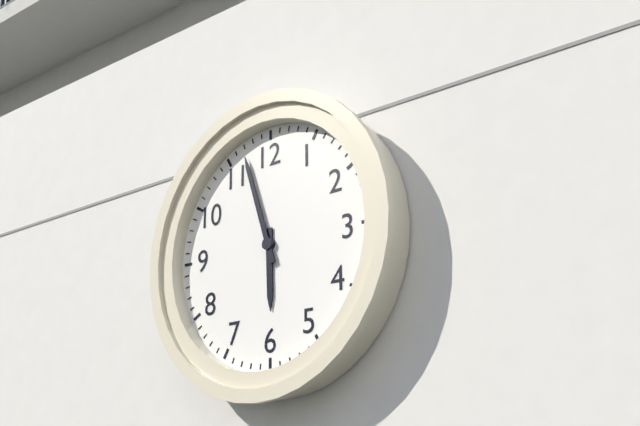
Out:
5 h 57 min
